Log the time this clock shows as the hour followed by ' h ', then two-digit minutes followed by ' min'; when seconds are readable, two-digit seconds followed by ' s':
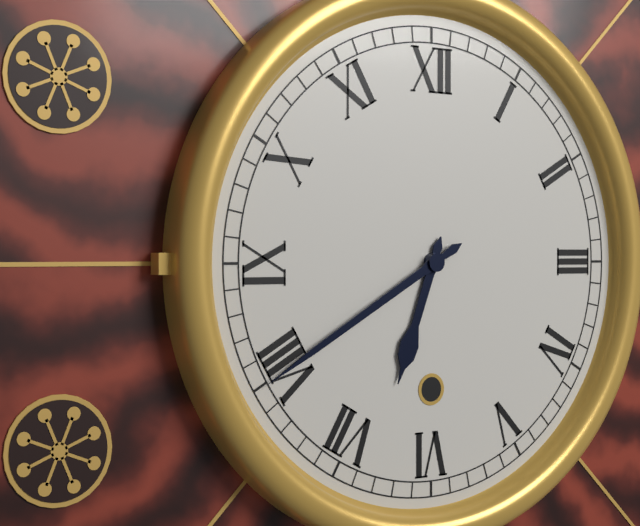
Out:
6 h 40 min
